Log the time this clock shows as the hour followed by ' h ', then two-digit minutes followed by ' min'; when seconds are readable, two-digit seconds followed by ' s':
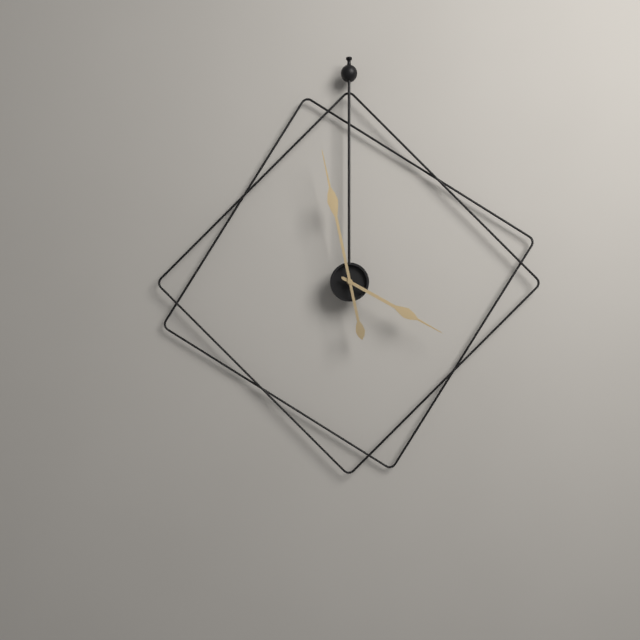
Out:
3 h 58 min
